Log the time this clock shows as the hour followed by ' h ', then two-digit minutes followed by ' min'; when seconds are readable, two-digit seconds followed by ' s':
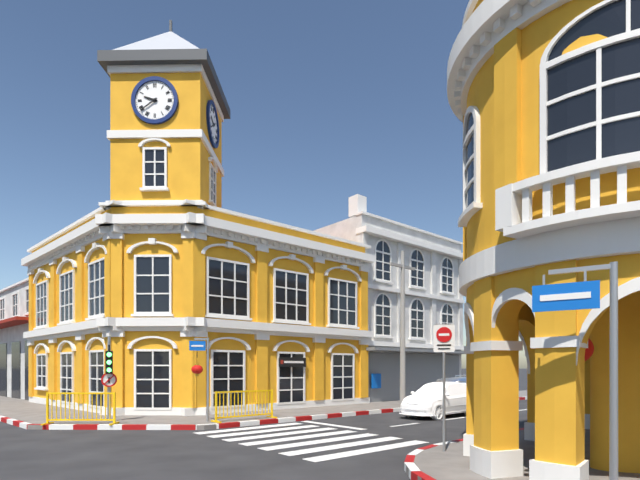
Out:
9 h 39 min
